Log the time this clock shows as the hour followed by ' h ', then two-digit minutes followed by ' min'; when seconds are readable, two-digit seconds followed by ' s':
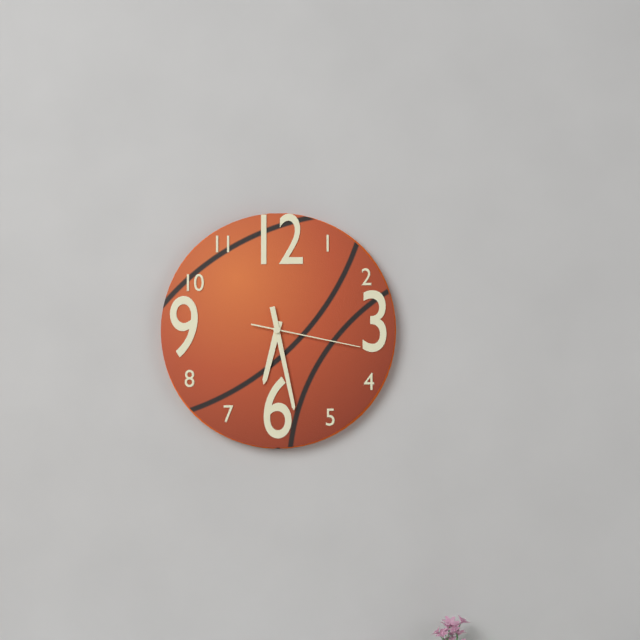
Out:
6 h 28 min 17 s
